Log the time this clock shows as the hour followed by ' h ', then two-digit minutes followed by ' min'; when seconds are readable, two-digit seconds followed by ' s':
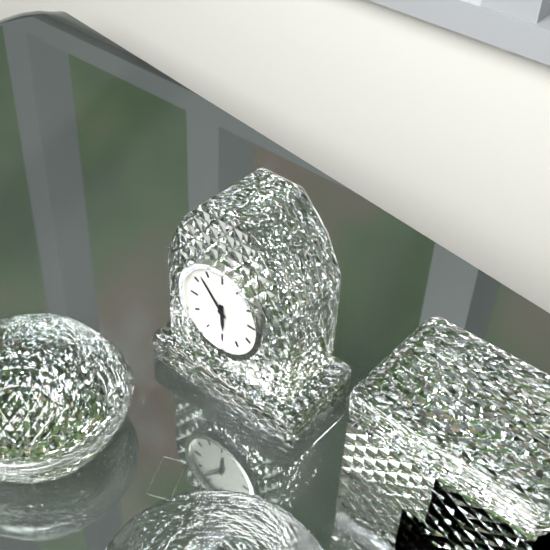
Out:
5 h 53 min
